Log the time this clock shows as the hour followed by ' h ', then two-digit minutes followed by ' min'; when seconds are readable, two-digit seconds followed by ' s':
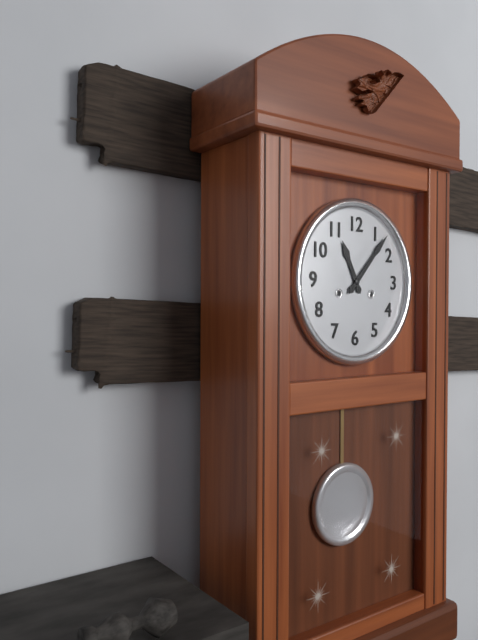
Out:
11 h 07 min
